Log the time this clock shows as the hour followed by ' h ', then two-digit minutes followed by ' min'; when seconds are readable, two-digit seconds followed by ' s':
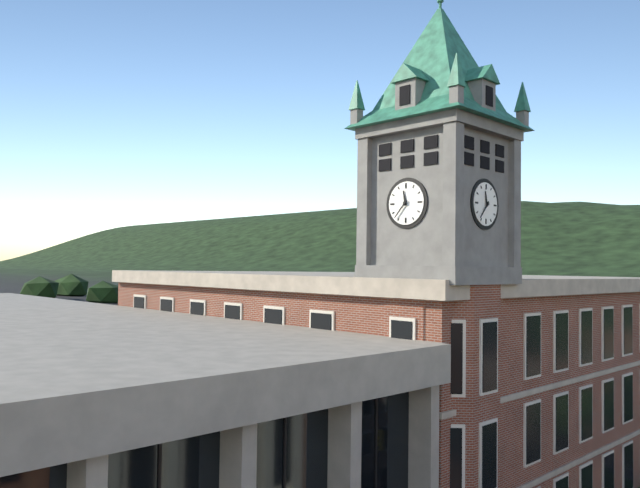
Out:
11 h 37 min
